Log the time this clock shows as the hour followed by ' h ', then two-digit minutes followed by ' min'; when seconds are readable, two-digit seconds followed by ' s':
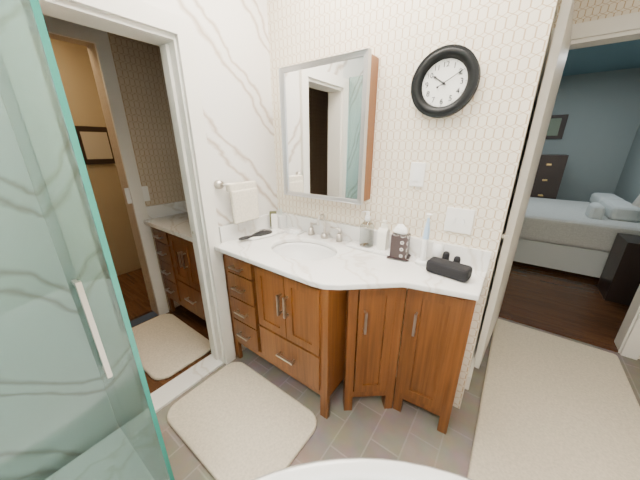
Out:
10 h 10 min
